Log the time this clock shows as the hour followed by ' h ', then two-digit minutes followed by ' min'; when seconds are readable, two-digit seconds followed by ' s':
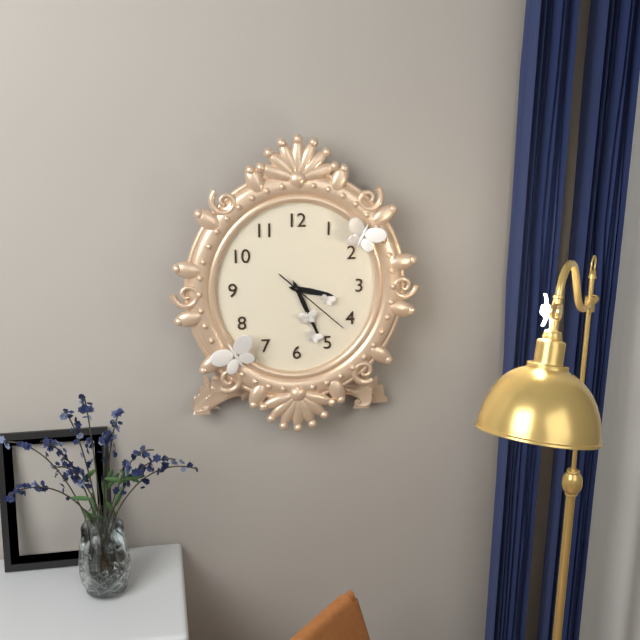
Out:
3 h 26 min 22 s
